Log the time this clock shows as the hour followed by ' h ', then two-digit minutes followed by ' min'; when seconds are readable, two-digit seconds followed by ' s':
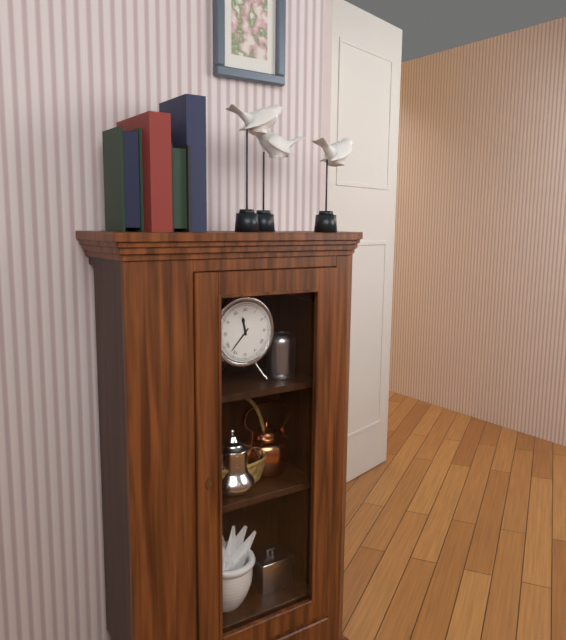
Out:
11 h 37 min
